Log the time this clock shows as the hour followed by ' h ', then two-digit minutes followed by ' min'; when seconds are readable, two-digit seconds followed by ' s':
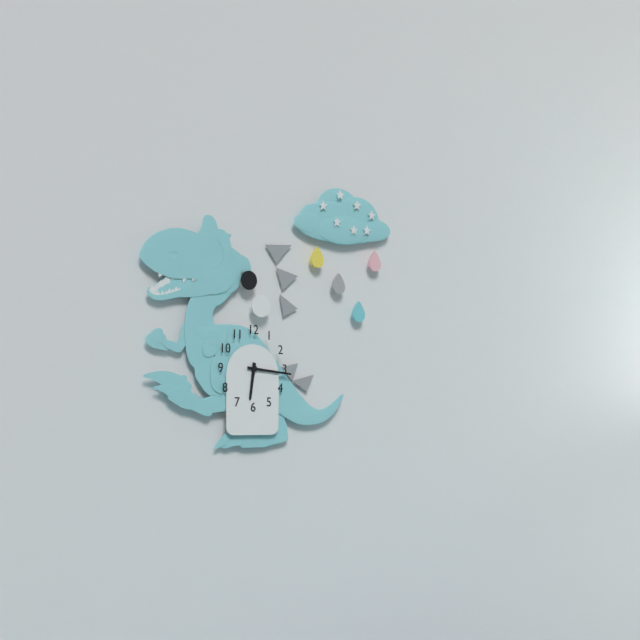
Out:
6 h 16 min
